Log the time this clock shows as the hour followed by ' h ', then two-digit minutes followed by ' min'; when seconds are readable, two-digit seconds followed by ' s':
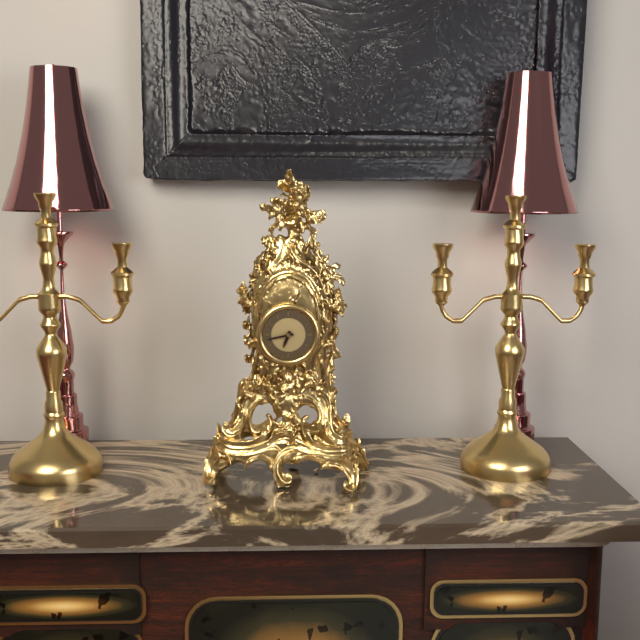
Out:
6 h 43 min
